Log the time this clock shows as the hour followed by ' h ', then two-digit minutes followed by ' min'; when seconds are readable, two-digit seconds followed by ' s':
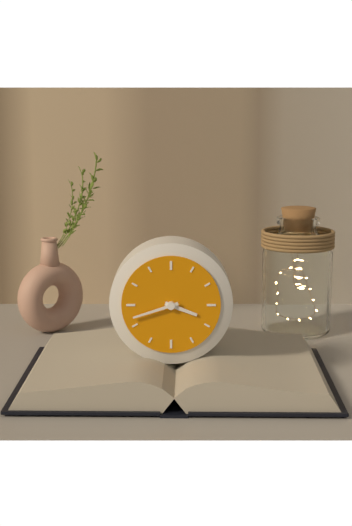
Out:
3 h 42 min
